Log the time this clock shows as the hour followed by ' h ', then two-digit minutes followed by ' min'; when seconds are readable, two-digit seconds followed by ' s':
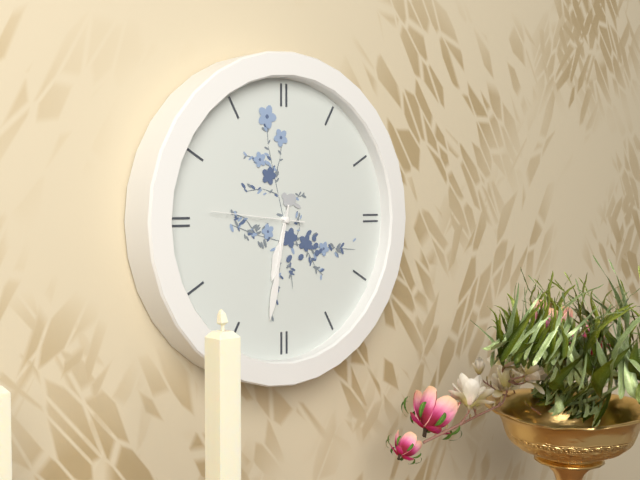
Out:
6 h 32 min 46 s
